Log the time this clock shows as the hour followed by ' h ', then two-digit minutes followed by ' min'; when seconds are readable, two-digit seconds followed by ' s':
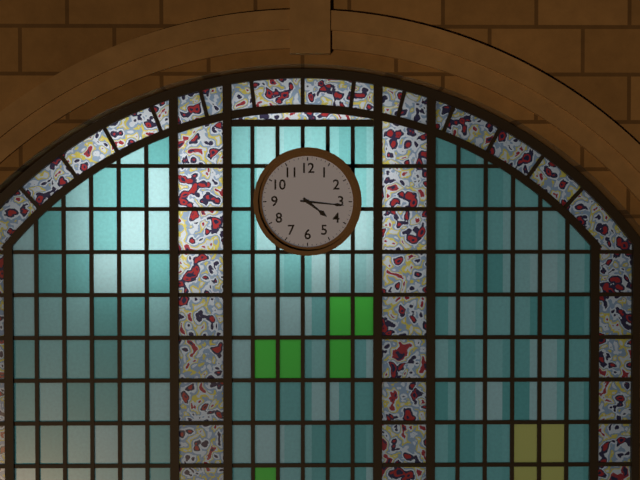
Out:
4 h 16 min
